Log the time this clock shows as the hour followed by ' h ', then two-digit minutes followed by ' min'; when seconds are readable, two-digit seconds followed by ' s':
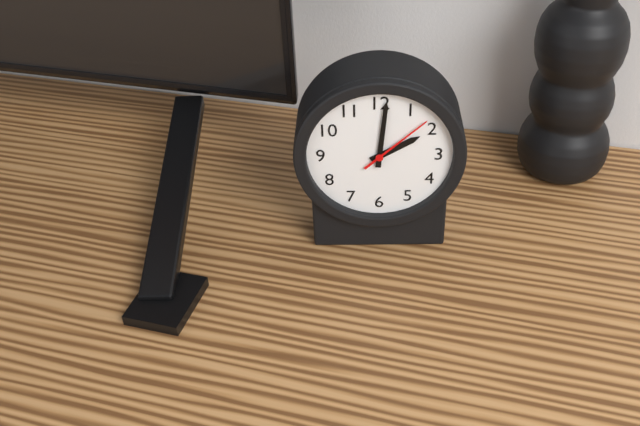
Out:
2 h 01 min 08 s
